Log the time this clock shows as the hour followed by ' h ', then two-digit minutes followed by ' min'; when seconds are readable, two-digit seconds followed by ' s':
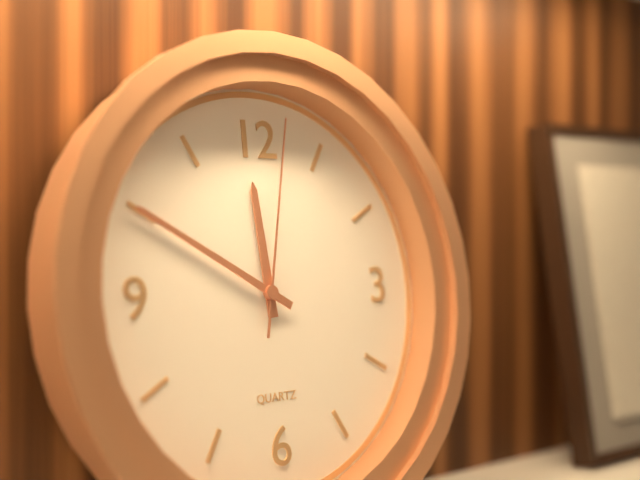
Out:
11 h 50 min 02 s
